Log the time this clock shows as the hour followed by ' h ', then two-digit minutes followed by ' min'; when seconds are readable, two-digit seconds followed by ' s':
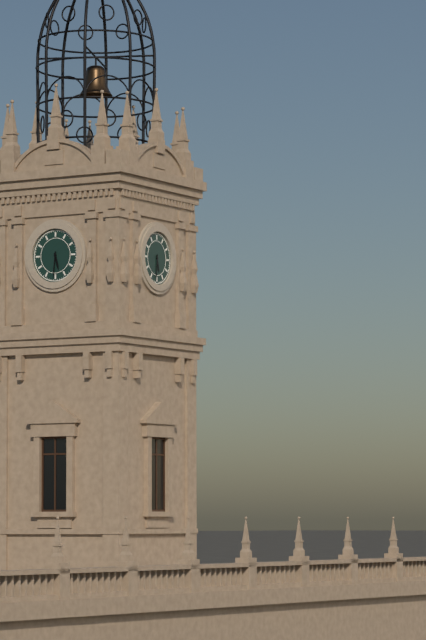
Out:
5 h 31 min
